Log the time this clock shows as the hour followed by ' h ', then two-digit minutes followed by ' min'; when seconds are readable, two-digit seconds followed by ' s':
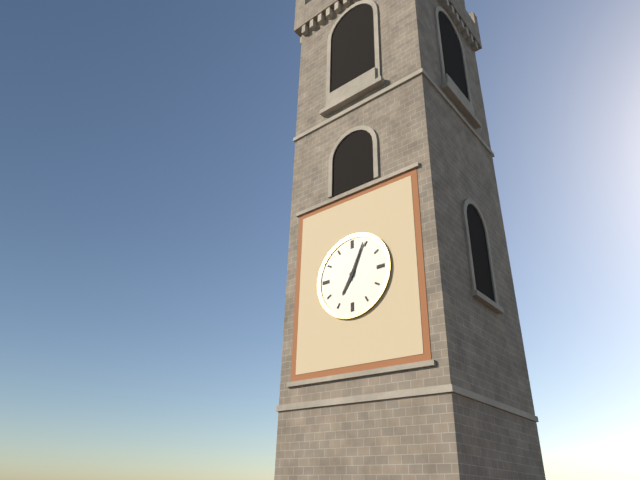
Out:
7 h 04 min
